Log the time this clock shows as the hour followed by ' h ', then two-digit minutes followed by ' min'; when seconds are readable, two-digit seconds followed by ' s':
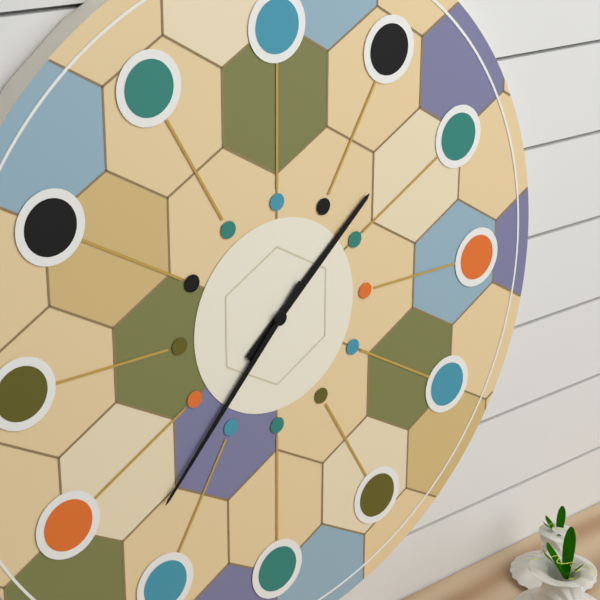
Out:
1 h 37 min
